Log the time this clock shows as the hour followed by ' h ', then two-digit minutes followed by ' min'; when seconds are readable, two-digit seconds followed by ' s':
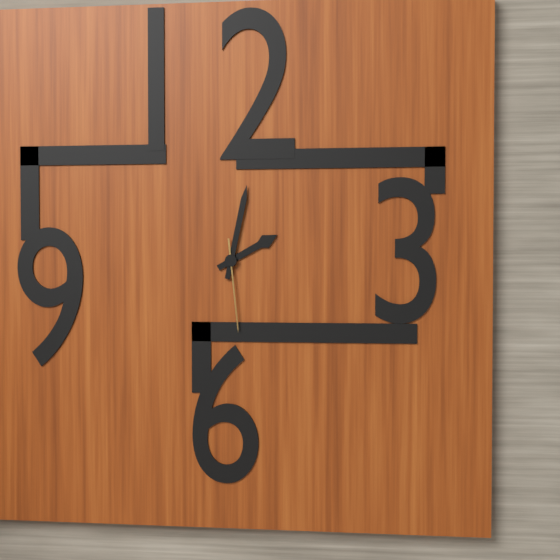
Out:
2 h 02 min 29 s
